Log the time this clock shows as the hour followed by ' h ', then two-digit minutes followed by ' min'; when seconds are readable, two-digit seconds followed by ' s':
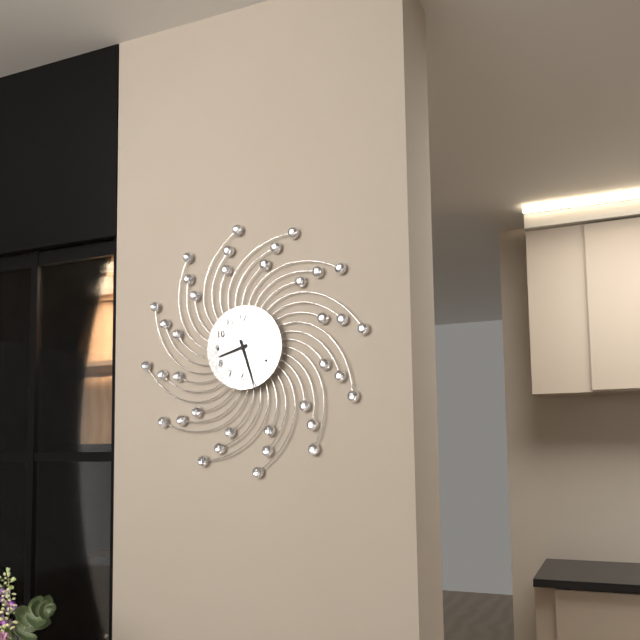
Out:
8 h 27 min
